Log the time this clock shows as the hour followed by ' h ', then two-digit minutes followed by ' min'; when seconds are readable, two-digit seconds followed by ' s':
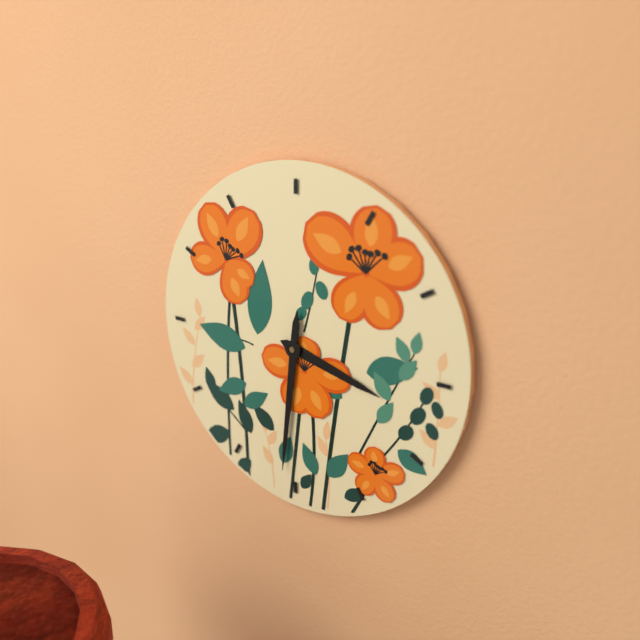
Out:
3 h 31 min
